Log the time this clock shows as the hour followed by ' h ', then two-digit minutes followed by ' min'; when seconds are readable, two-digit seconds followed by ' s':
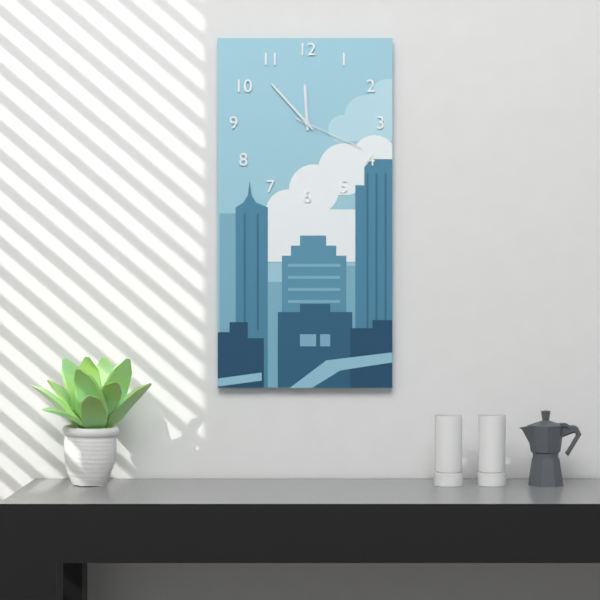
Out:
11 h 53 min 19 s
